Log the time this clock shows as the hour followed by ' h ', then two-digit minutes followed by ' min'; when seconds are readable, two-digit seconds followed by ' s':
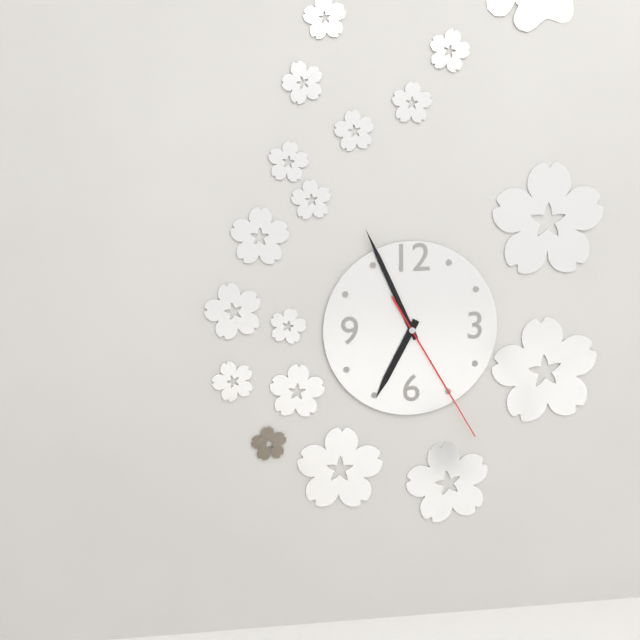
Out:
6 h 56 min 25 s
